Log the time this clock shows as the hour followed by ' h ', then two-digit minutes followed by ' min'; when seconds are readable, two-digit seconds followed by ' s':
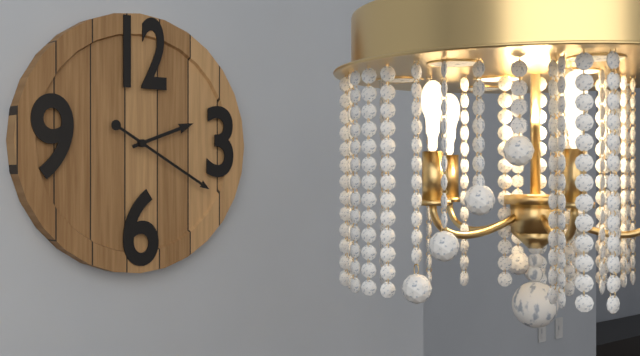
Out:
2 h 20 min
